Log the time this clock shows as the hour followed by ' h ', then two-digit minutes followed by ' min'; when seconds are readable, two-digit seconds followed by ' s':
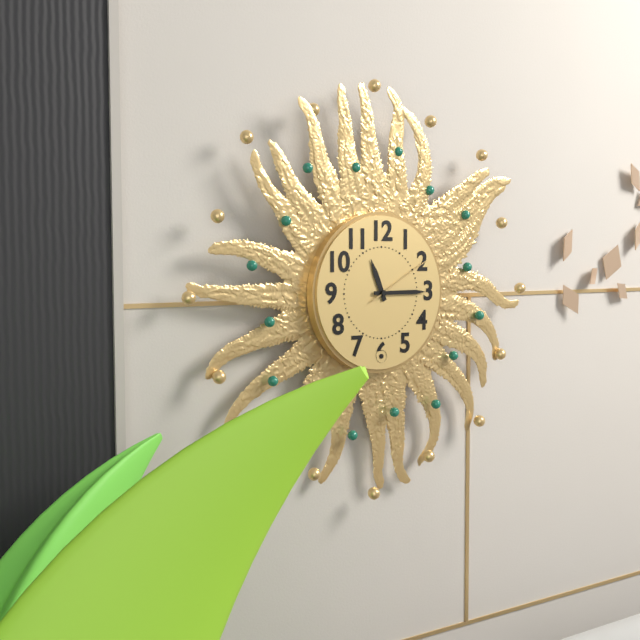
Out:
11 h 15 min 10 s
